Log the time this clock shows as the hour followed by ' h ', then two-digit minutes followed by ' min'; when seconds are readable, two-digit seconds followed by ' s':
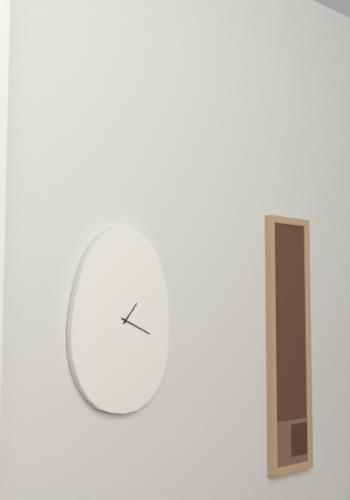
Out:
1 h 19 min
